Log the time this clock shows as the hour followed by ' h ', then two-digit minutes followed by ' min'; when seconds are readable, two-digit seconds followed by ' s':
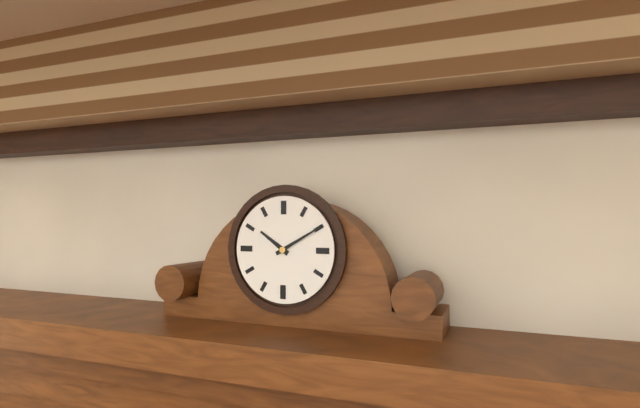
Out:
10 h 10 min
